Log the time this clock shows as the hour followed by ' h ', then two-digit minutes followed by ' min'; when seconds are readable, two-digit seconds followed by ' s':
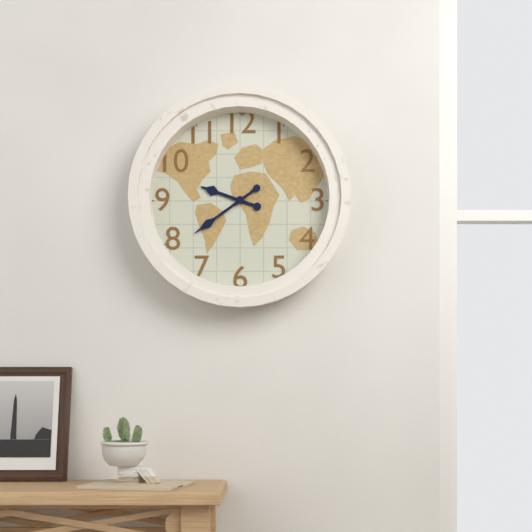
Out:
9 h 39 min
